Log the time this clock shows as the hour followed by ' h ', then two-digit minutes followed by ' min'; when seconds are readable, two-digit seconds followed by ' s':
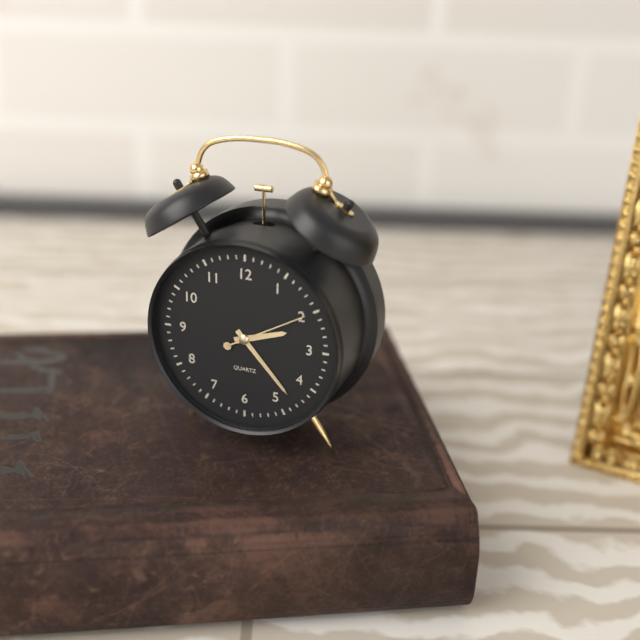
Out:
2 h 23 min 10 s
